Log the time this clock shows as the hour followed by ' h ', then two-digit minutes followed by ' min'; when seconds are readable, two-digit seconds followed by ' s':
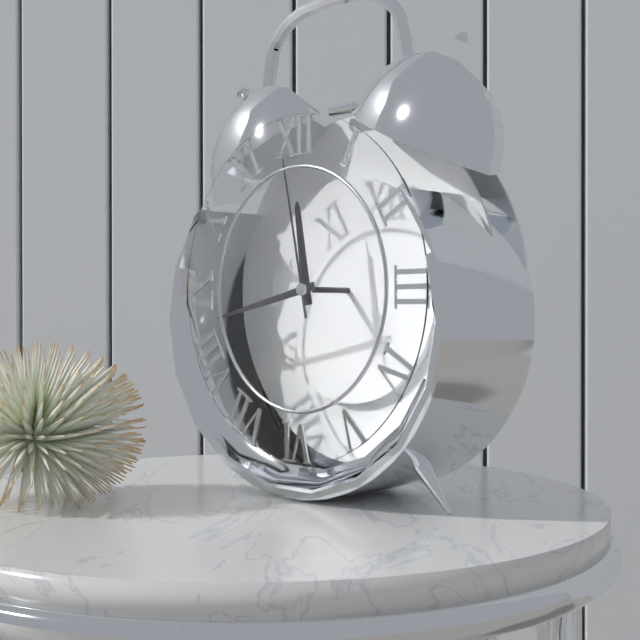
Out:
11 h 43 min 58 s
